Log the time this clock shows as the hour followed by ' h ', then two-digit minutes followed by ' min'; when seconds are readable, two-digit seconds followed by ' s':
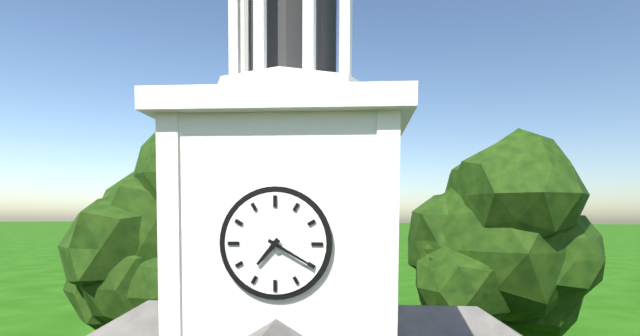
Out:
7 h 20 min
